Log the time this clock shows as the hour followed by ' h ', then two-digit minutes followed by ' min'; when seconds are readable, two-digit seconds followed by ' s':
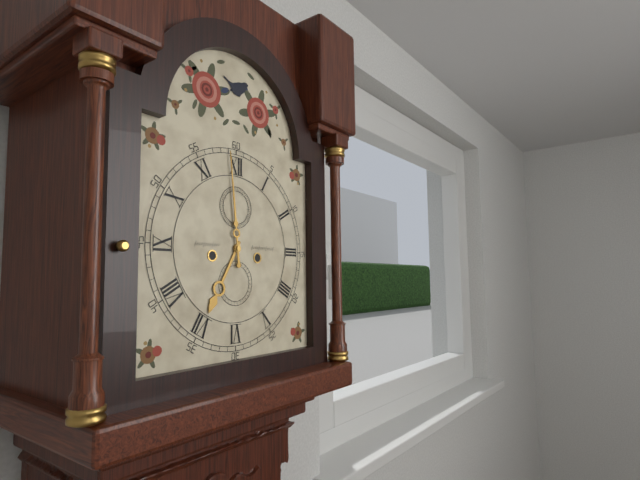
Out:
6 h 59 min
